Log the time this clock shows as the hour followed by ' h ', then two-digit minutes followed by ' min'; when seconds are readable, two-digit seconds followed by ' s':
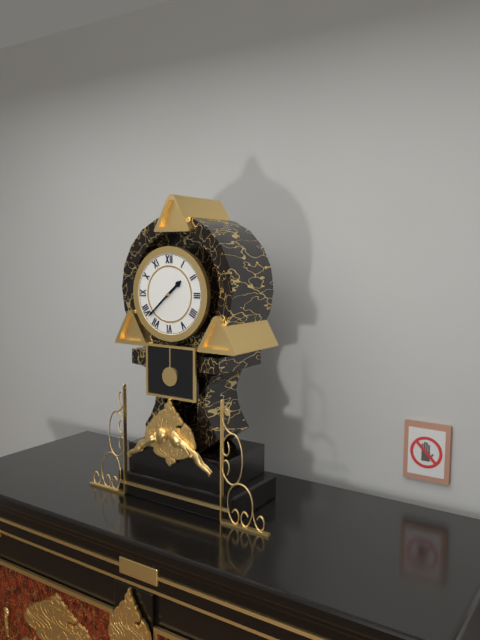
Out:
1 h 38 min
